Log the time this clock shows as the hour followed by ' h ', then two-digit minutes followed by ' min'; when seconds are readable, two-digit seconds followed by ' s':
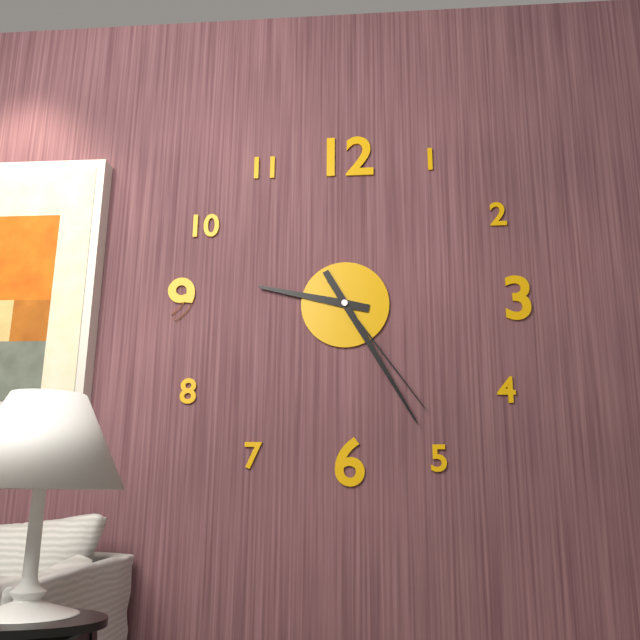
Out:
9 h 25 min 24 s
